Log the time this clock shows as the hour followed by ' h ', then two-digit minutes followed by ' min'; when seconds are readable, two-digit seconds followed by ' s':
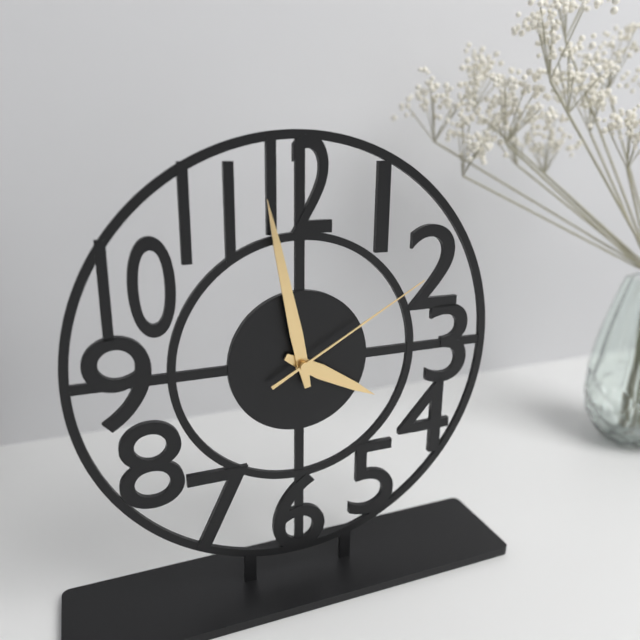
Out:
3 h 58 min 10 s
